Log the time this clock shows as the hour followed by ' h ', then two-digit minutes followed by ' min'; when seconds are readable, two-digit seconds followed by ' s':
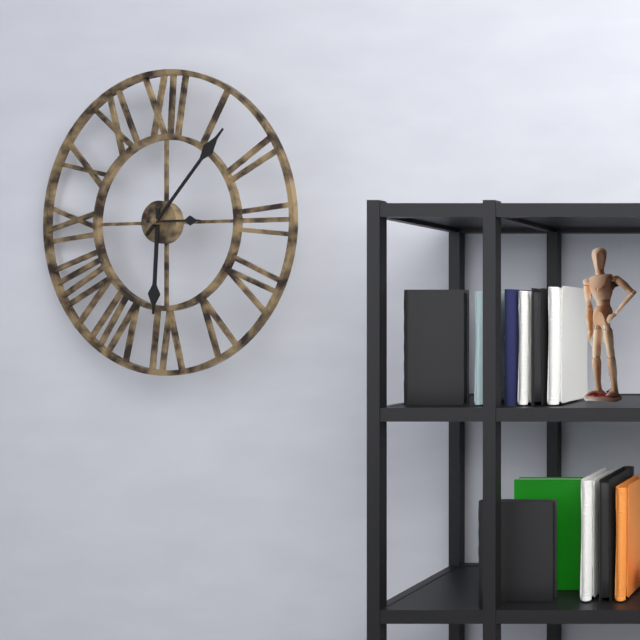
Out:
6 h 07 min
